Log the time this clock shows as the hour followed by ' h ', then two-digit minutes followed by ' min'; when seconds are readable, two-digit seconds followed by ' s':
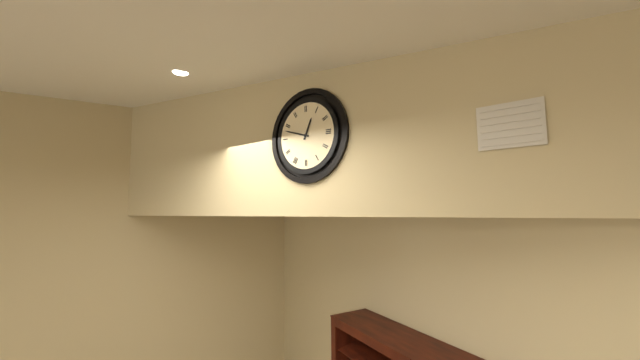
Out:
12 h 48 min
